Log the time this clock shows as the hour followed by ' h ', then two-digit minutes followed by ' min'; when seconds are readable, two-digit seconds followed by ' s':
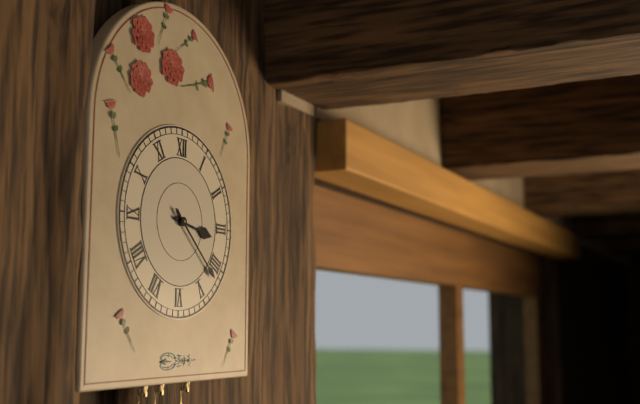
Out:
3 h 22 min
